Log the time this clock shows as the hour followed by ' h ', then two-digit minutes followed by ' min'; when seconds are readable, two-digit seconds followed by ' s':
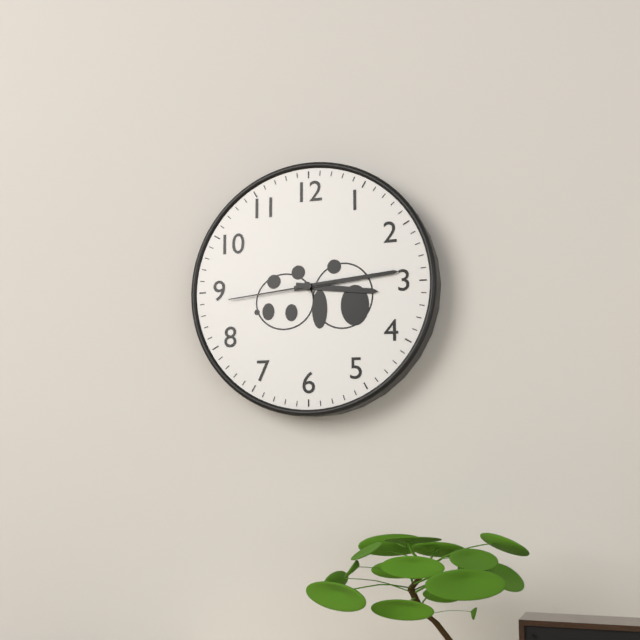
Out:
3 h 14 min 44 s
